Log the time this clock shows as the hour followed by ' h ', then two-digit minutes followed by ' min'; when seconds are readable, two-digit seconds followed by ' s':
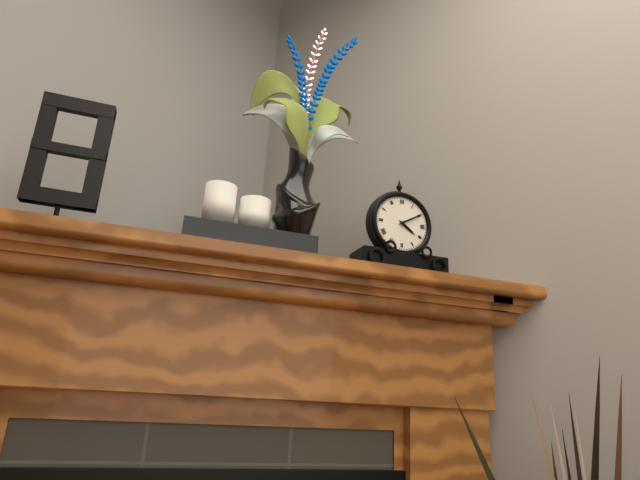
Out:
4 h 10 min
